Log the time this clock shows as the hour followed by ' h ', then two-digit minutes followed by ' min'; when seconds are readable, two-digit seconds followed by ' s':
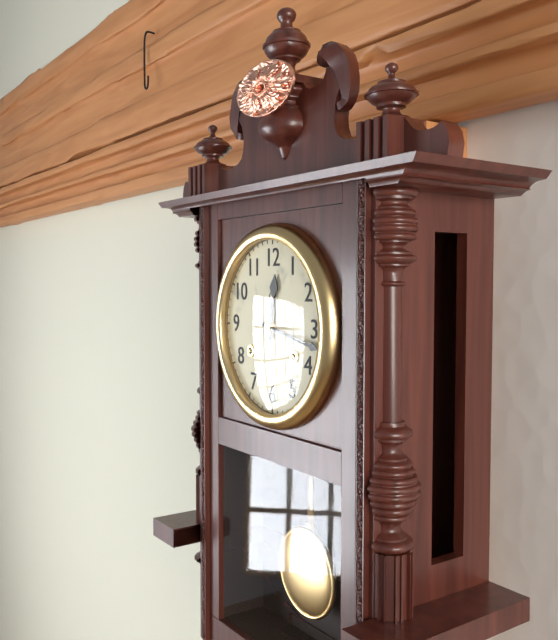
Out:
12 h 17 min
